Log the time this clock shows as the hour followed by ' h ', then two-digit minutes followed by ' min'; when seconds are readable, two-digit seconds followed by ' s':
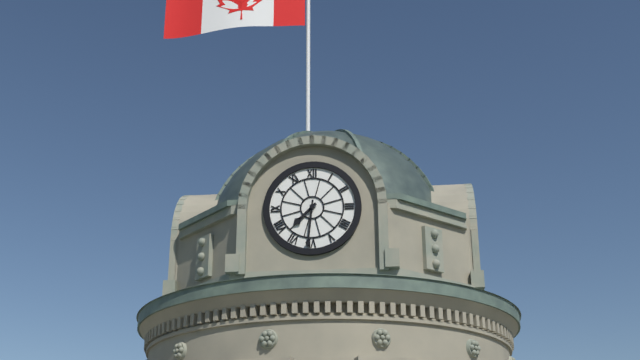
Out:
7 h 31 min
